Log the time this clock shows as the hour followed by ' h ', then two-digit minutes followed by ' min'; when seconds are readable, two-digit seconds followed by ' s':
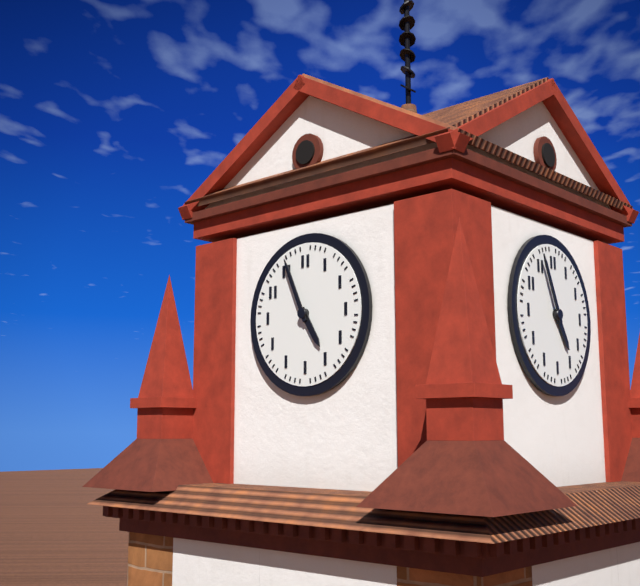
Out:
4 h 56 min
